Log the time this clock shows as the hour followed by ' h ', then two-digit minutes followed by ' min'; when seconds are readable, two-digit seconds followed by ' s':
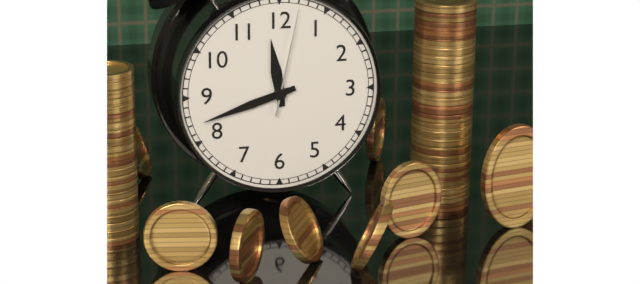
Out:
11 h 42 min 02 s
